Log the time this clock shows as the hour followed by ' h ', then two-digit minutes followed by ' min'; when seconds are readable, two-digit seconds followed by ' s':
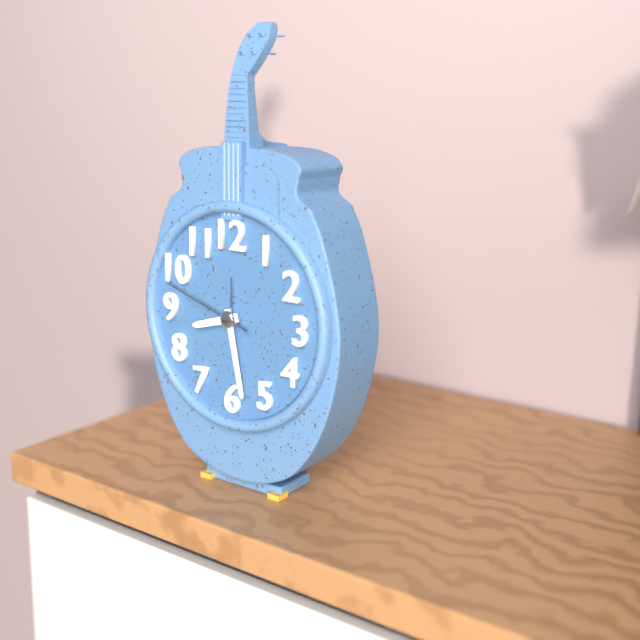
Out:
8 h 28 min 48 s
